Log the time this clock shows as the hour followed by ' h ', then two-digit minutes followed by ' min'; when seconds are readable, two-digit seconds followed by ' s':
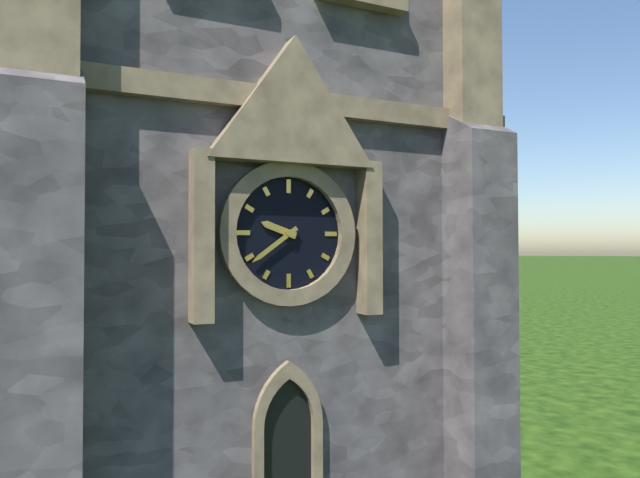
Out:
9 h 39 min
